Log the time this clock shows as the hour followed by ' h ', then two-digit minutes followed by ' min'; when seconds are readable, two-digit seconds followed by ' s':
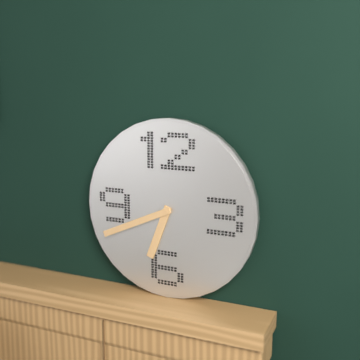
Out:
6 h 41 min
